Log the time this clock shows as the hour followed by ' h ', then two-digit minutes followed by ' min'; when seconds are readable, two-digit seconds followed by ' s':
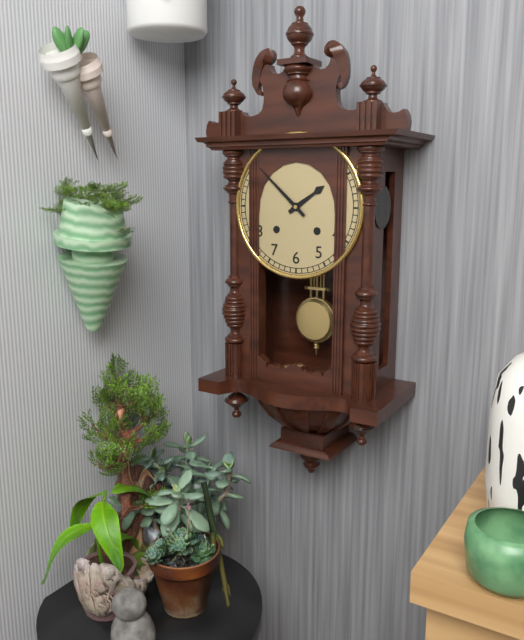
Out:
1 h 52 min
